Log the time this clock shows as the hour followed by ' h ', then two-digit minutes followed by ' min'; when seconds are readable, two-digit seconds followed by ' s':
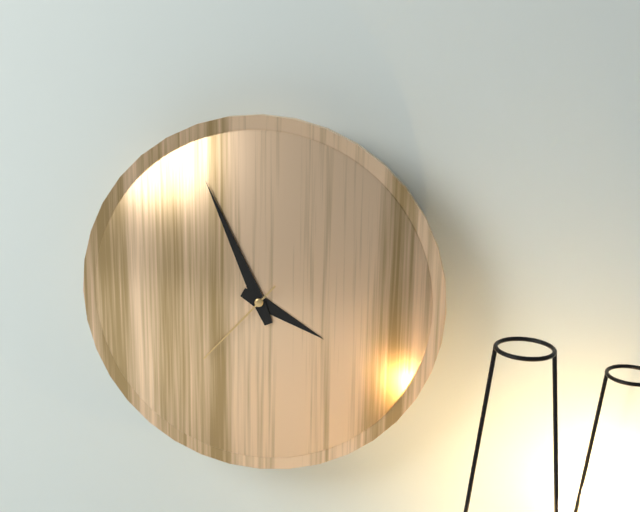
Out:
3 h 56 min 37 s
